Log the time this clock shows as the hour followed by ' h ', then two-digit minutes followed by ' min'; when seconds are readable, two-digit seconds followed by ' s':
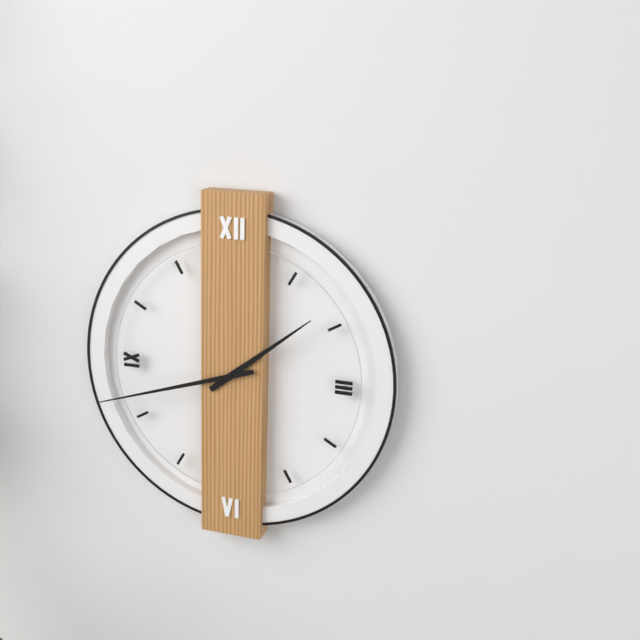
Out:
1 h 42 min
